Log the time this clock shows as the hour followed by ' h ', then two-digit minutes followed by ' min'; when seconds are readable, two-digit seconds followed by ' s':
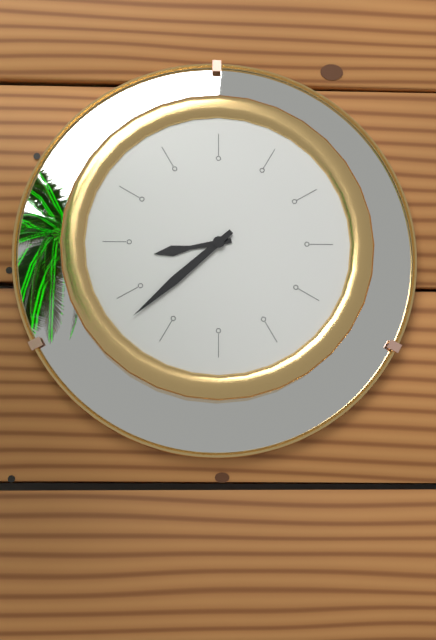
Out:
8 h 38 min
